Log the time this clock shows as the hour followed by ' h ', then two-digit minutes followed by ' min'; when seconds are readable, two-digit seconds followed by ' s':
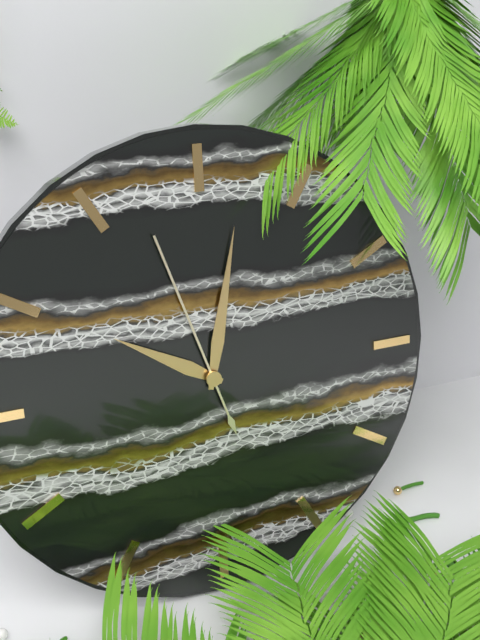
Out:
10 h 02 min 57 s
